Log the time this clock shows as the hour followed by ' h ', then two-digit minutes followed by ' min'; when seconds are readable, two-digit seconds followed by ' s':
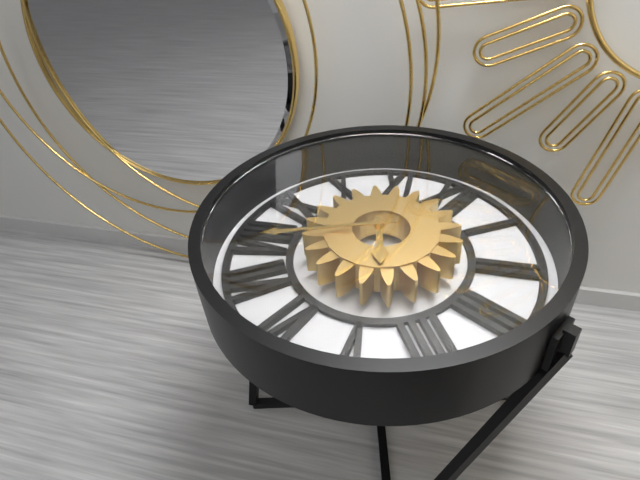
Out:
4 h 37 min
